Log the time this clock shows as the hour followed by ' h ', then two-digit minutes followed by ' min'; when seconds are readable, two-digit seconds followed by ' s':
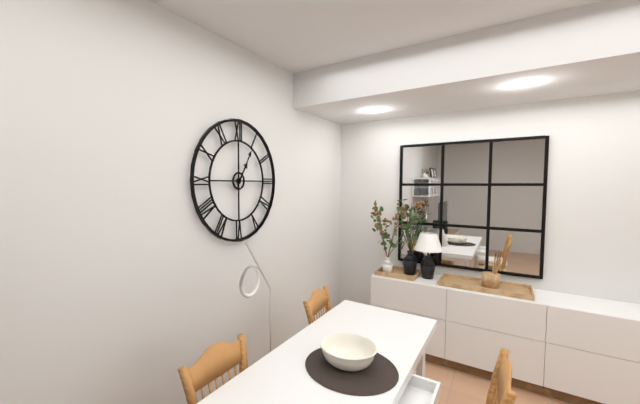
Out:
1 h 05 min
